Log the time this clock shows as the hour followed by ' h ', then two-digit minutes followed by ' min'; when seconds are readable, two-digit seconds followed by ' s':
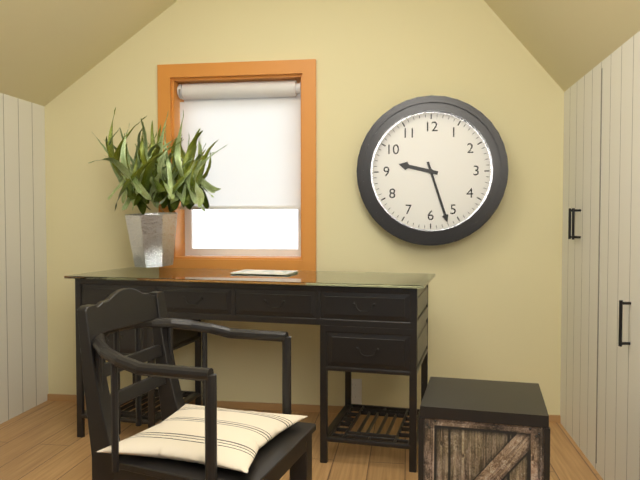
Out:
9 h 27 min
